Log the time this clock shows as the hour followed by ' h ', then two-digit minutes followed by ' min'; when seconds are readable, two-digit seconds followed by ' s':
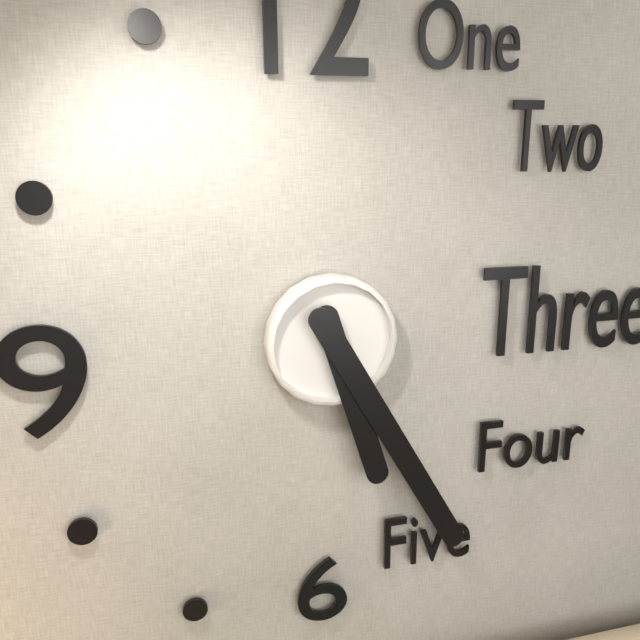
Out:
5 h 25 min
